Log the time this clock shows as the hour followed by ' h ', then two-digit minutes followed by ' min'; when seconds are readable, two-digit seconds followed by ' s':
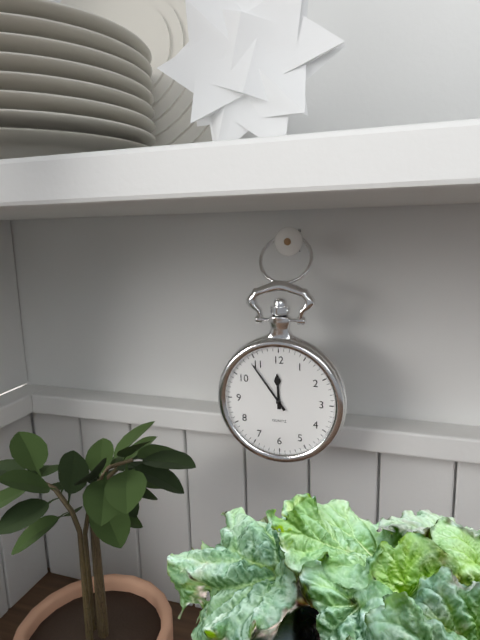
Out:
11 h 54 min
